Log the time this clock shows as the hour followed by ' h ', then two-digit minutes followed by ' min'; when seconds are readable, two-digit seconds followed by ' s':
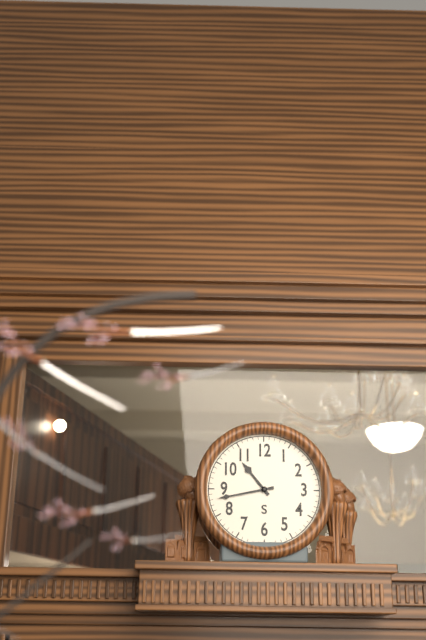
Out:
10 h 43 min
